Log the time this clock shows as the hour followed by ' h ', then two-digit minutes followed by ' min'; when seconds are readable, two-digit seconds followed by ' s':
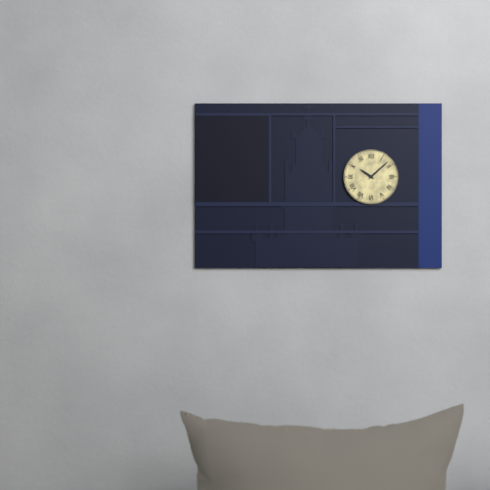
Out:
10 h 08 min
